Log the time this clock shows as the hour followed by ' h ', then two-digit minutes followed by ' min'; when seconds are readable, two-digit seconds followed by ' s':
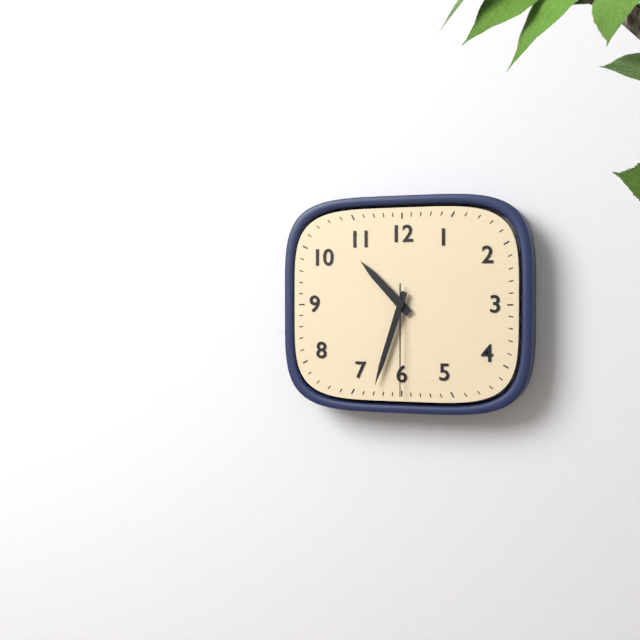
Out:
10 h 33 min 30 s
